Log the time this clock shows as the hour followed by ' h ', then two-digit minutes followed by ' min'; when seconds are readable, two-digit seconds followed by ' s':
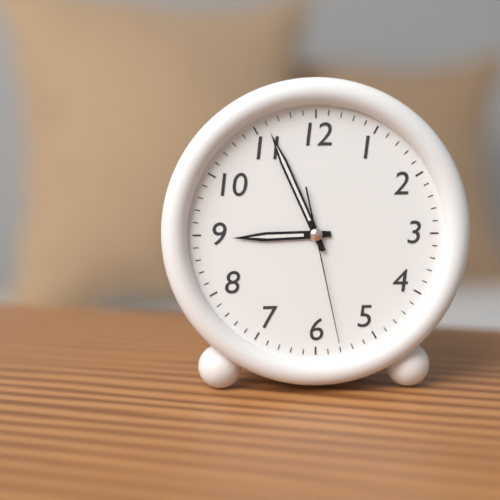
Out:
8 h 56 min 28 s
